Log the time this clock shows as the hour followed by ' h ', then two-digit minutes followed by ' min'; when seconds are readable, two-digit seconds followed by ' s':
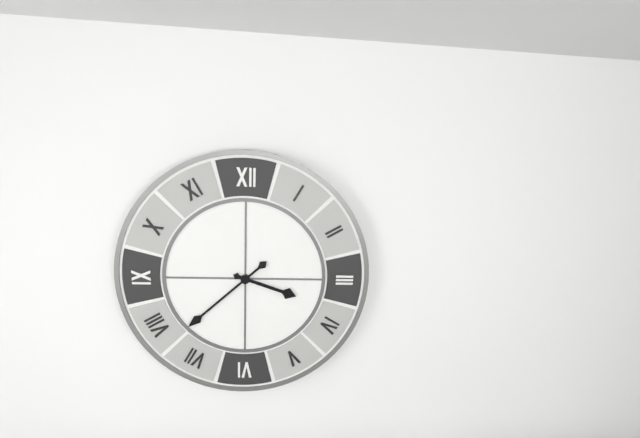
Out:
3 h 38 min
